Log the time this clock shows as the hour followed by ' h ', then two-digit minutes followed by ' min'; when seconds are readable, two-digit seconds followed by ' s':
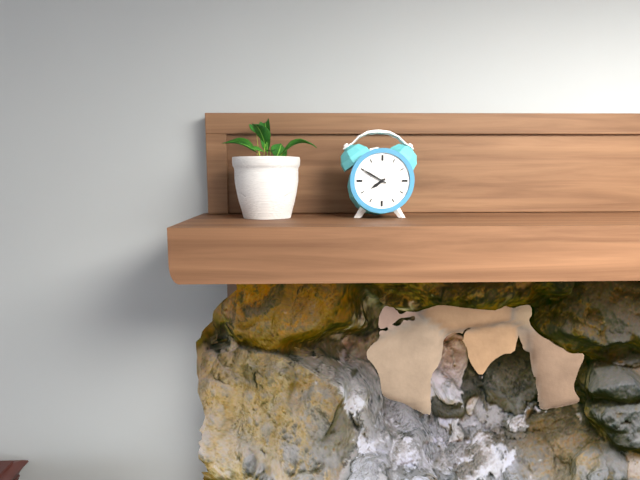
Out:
7 h 50 min
